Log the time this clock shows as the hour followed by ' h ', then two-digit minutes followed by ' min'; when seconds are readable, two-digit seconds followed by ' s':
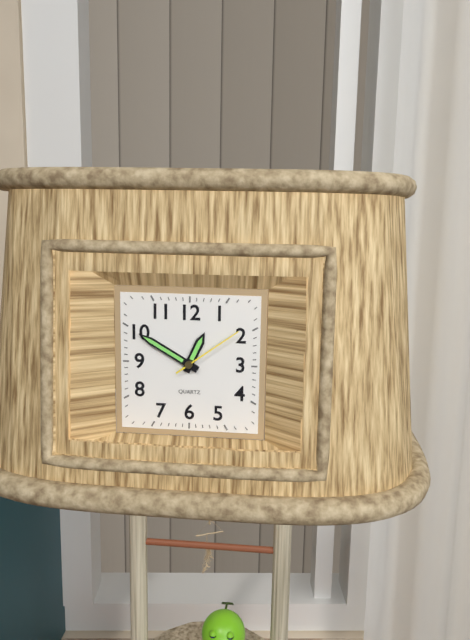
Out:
12 h 50 min 09 s
